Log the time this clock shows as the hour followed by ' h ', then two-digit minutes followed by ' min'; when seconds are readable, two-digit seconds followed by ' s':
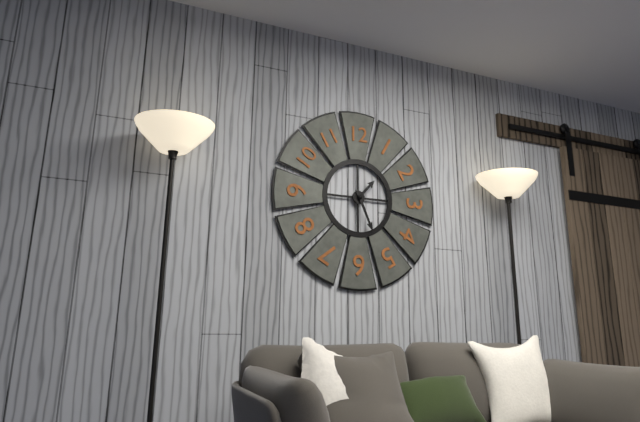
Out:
1 h 26 min
